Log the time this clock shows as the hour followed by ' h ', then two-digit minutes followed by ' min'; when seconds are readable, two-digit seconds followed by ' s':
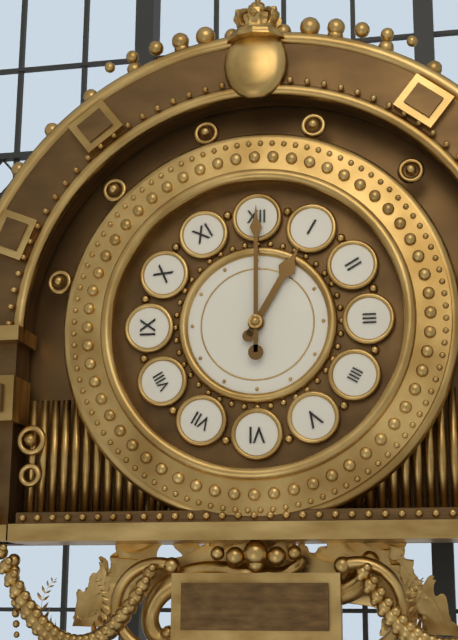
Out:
1 h 00 min
